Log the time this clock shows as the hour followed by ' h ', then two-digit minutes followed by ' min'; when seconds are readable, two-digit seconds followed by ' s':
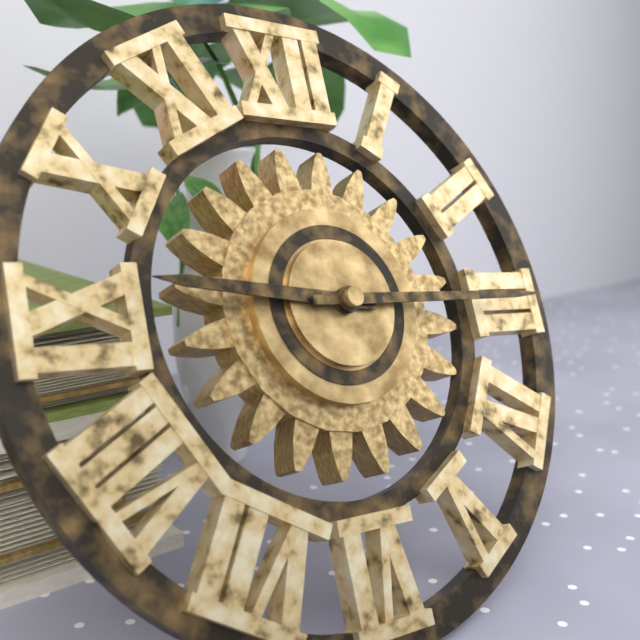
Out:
9 h 15 min
